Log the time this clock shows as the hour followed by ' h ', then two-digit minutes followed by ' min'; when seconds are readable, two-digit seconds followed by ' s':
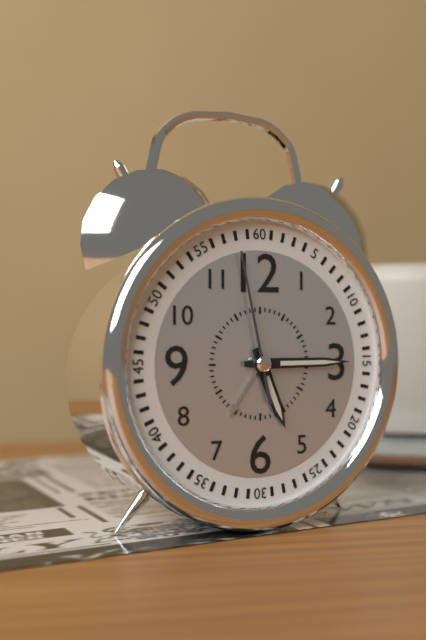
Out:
5 h 15 min 58 s
